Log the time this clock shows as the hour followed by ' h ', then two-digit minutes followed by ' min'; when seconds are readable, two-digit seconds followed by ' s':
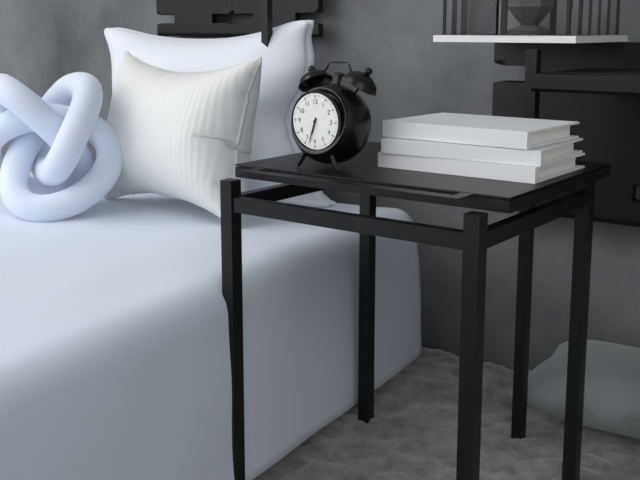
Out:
6 h 33 min
